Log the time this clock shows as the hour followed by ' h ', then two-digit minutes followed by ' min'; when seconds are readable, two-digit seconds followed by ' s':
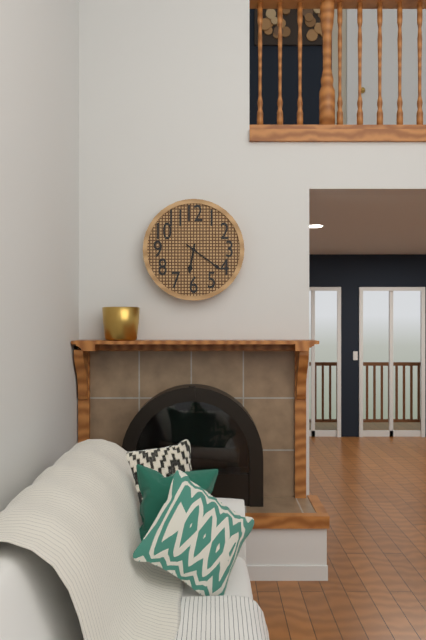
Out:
6 h 21 min
